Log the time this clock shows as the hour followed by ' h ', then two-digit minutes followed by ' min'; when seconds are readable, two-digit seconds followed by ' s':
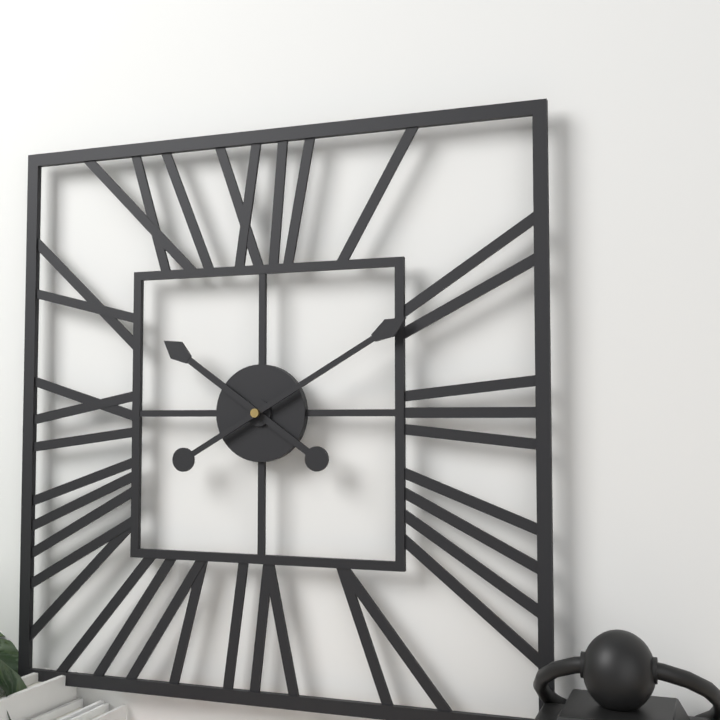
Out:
10 h 10 min
